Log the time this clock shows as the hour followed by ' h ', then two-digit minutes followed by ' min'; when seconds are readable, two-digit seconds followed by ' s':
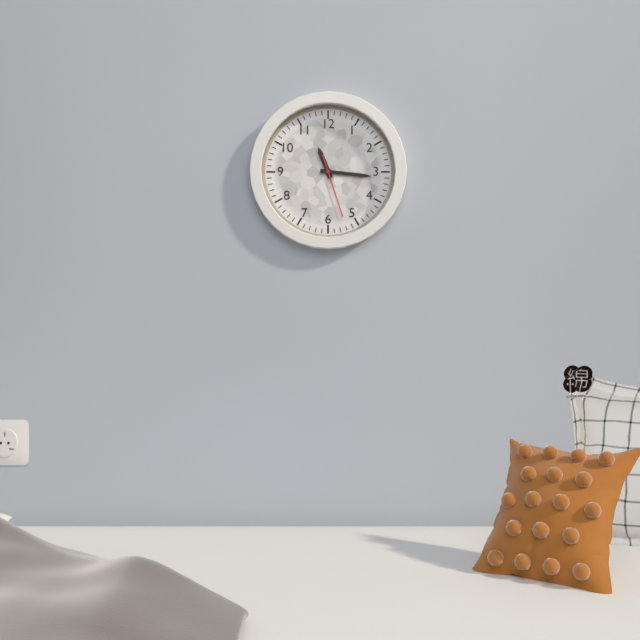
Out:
11 h 16 min 27 s
